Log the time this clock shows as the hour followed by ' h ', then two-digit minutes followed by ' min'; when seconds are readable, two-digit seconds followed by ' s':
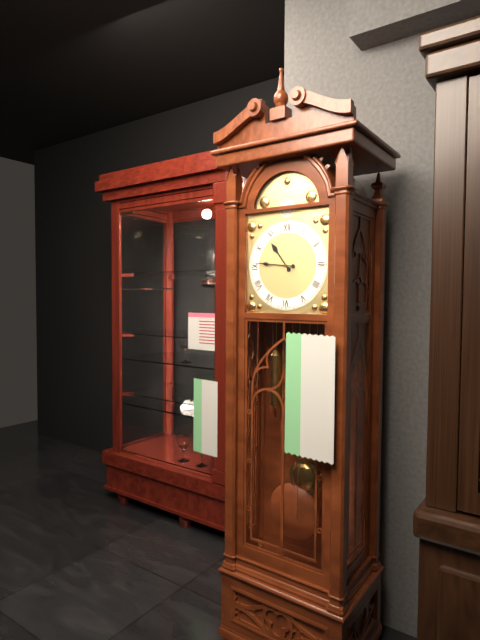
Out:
10 h 46 min
